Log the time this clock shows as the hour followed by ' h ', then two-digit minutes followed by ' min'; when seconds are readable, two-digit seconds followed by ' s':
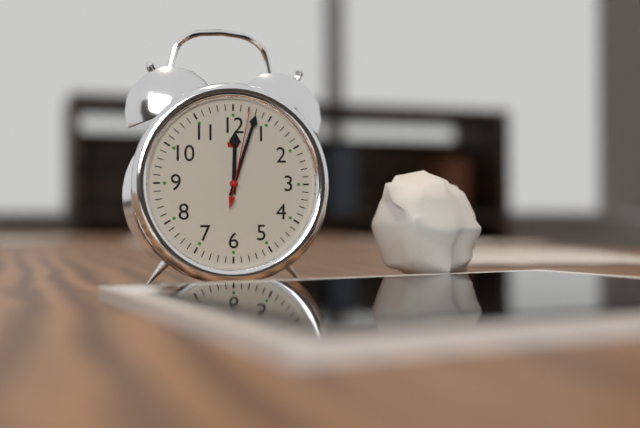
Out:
12 h 03 min 02 s
